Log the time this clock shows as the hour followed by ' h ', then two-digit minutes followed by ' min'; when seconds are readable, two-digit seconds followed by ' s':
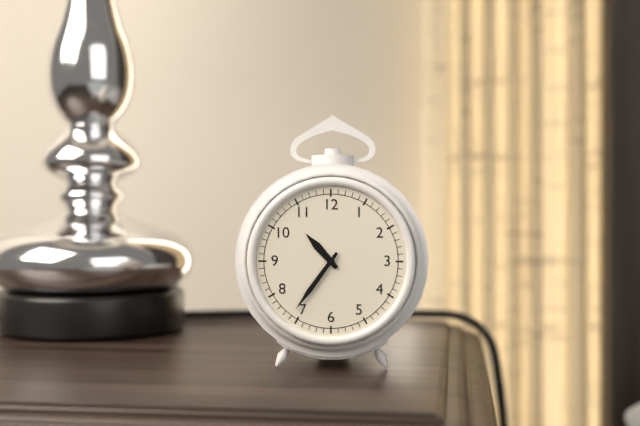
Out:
10 h 36 min
